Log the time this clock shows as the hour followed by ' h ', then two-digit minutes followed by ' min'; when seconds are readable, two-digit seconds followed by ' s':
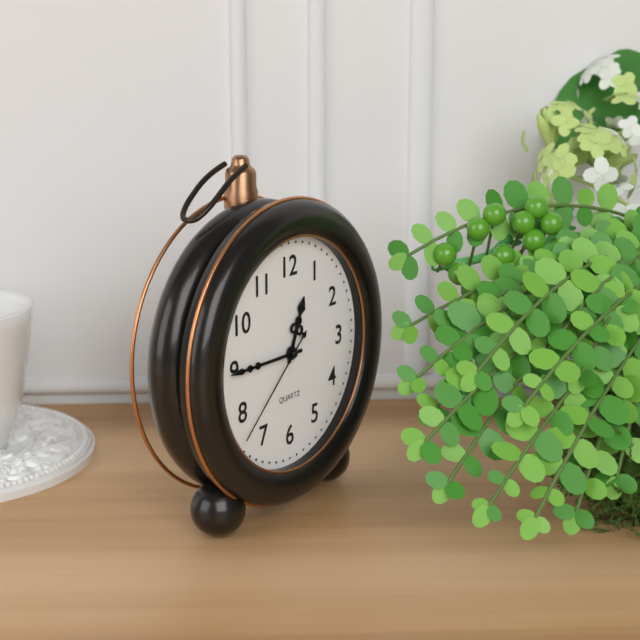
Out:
12 h 45 min 38 s
